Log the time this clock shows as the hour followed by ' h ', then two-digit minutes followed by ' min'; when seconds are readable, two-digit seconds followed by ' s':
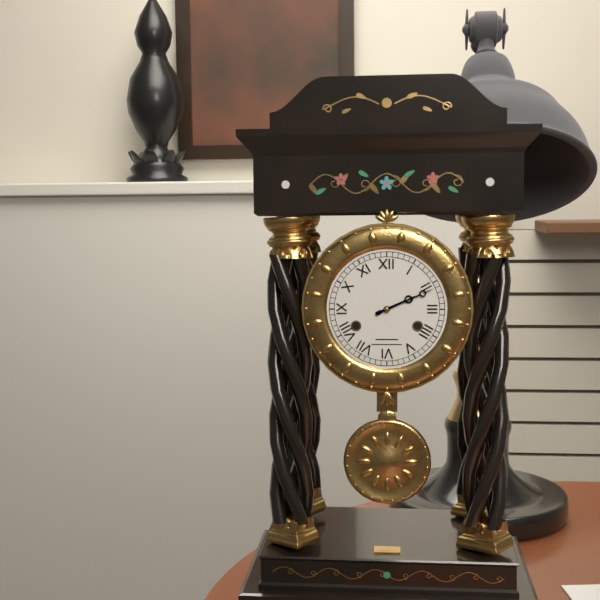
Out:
2 h 11 min
